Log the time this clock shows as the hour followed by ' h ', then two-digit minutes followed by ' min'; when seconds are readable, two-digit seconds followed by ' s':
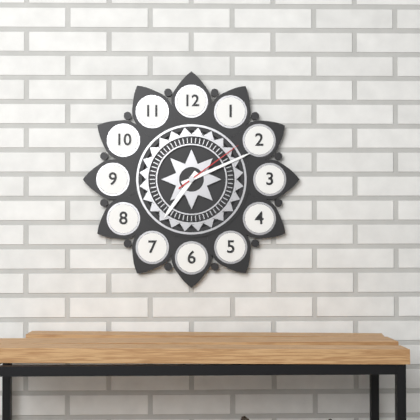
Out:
7 h 11 min 09 s
